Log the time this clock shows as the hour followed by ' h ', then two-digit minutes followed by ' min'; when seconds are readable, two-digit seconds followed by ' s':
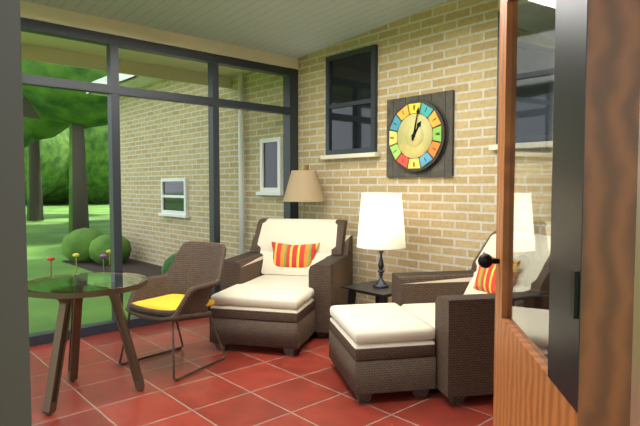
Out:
1 h 02 min
